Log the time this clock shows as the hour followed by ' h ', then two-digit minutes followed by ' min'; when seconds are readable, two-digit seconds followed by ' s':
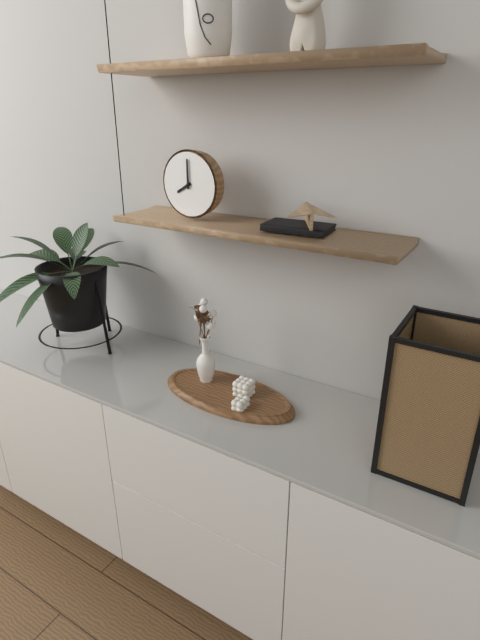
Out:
8 h 00 min
